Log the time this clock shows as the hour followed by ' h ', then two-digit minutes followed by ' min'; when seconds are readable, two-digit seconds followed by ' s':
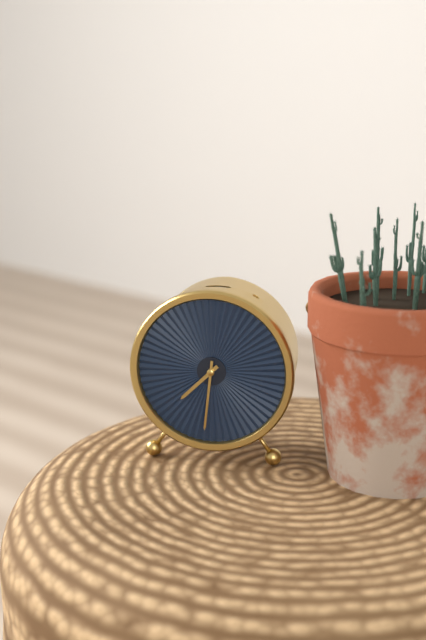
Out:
7 h 31 min
